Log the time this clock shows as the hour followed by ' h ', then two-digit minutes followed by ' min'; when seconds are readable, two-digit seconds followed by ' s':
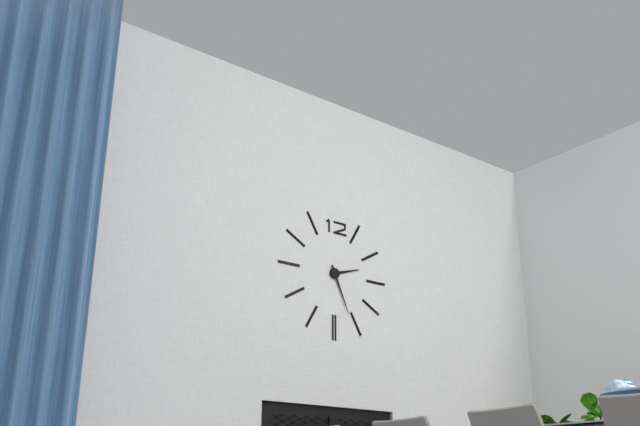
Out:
2 h 26 min
